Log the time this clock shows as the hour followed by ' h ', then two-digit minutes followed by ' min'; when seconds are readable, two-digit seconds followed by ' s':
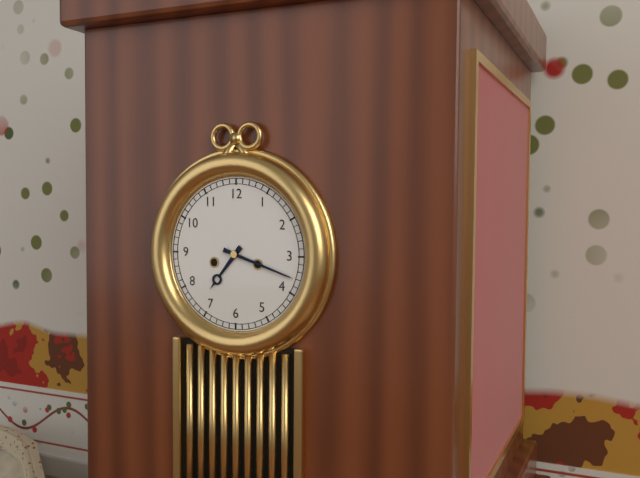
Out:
7 h 18 min
